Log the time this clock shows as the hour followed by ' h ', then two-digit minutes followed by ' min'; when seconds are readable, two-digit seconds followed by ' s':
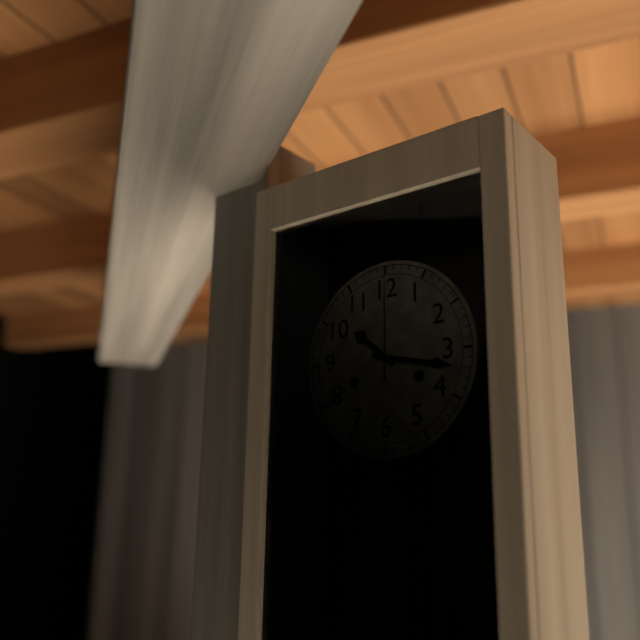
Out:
10 h 17 min 00 s
